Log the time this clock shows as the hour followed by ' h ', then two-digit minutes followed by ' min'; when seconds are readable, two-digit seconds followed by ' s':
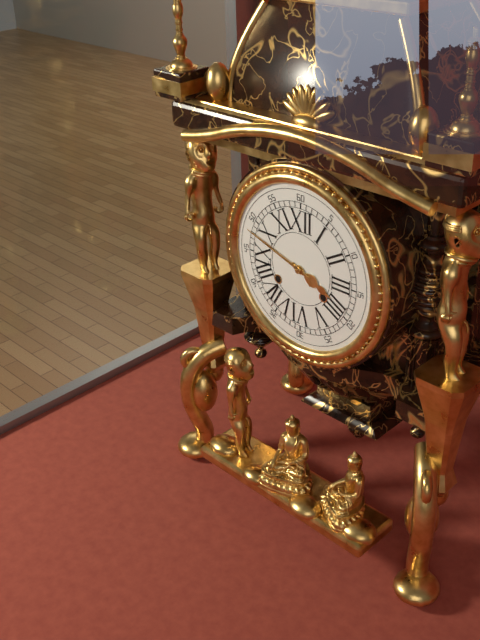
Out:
3 h 48 min
